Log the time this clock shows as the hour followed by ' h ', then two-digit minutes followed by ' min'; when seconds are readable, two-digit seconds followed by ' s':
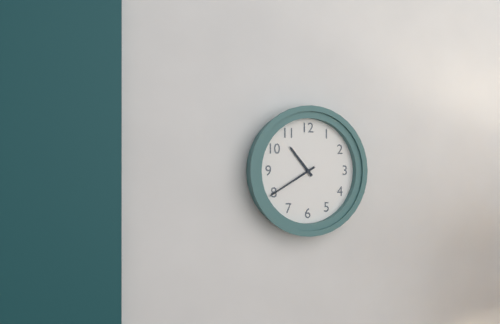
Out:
10 h 40 min
